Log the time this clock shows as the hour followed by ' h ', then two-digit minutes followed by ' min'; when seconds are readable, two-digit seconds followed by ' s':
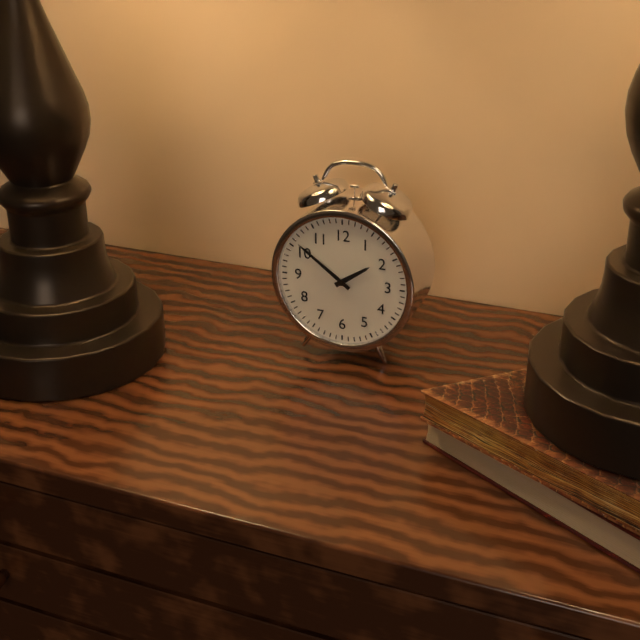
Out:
1 h 51 min
